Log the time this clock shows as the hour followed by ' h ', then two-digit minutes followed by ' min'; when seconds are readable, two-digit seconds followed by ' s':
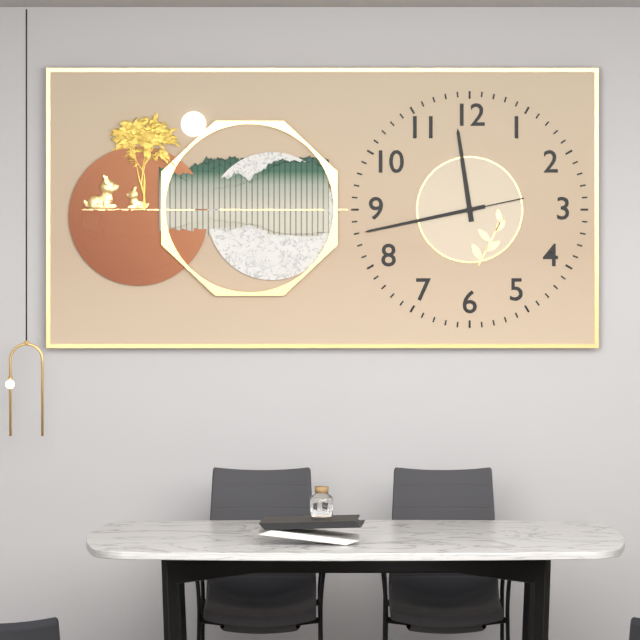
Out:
11 h 43 min 43 s
